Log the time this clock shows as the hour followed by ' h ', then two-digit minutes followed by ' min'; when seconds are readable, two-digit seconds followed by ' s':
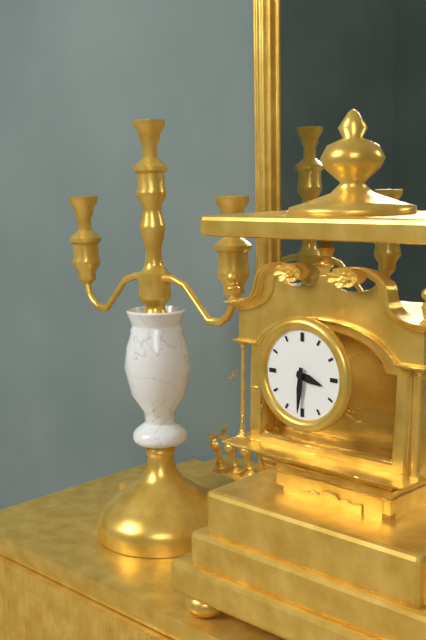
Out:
3 h 31 min
